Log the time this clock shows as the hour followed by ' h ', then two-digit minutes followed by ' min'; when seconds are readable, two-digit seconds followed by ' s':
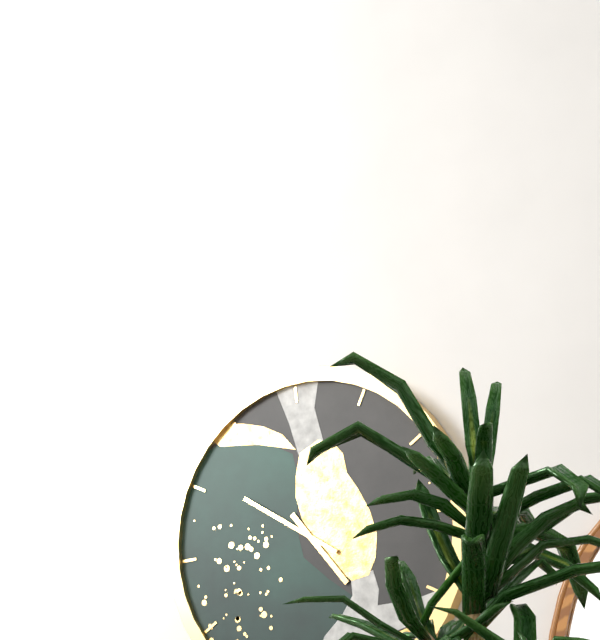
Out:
4 h 51 min
